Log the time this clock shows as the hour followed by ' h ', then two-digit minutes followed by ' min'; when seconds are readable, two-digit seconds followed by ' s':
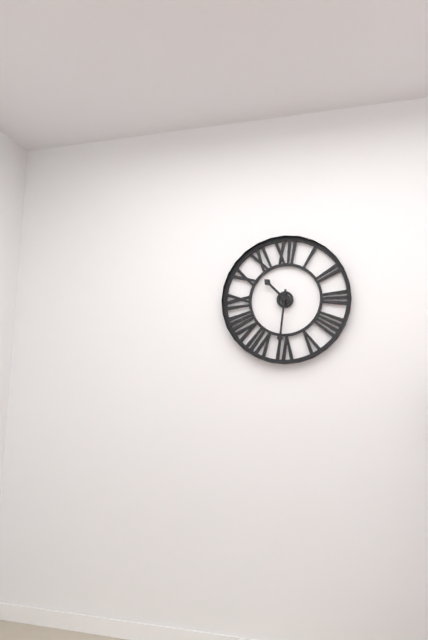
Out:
10 h 31 min
